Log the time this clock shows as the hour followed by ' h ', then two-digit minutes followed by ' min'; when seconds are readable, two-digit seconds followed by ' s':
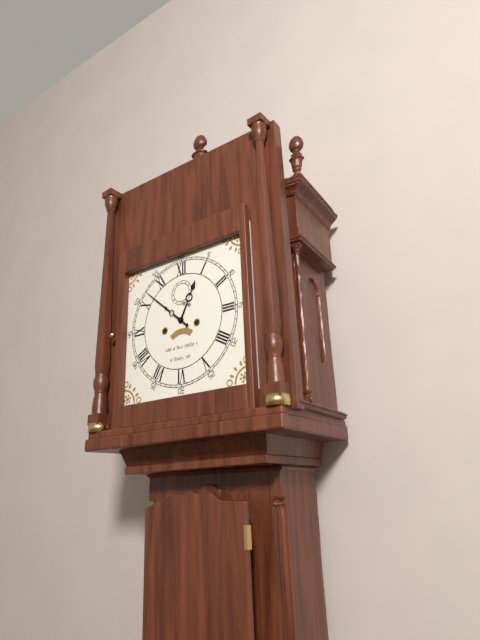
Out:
12 h 52 min
